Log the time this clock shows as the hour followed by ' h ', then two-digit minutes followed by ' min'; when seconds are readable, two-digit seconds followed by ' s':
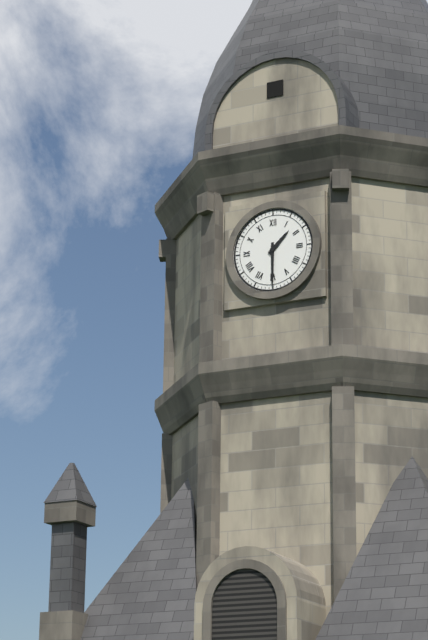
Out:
1 h 30 min
